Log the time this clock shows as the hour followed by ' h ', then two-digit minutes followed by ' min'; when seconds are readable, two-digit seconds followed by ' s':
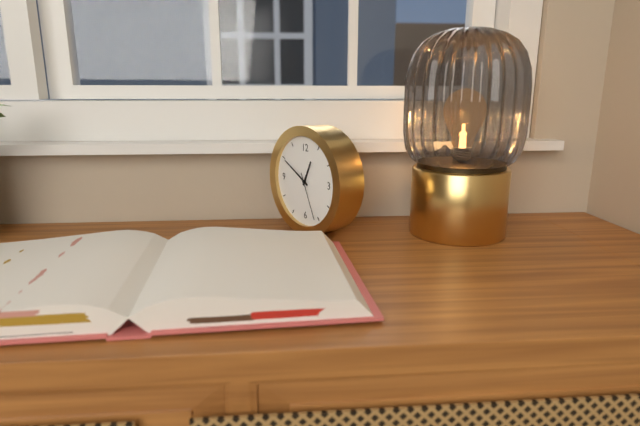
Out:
12 h 50 min 26 s
